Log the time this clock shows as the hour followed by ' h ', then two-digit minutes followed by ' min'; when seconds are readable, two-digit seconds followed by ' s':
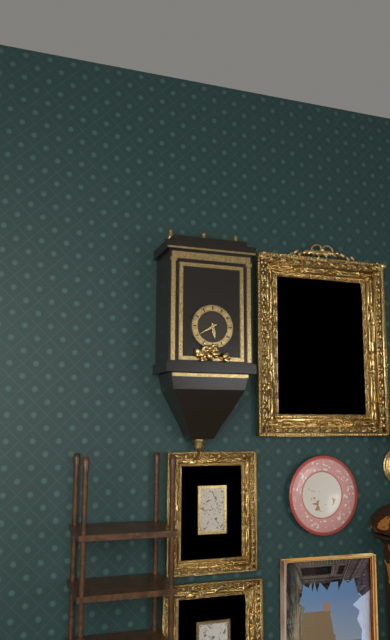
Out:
5 h 40 min
